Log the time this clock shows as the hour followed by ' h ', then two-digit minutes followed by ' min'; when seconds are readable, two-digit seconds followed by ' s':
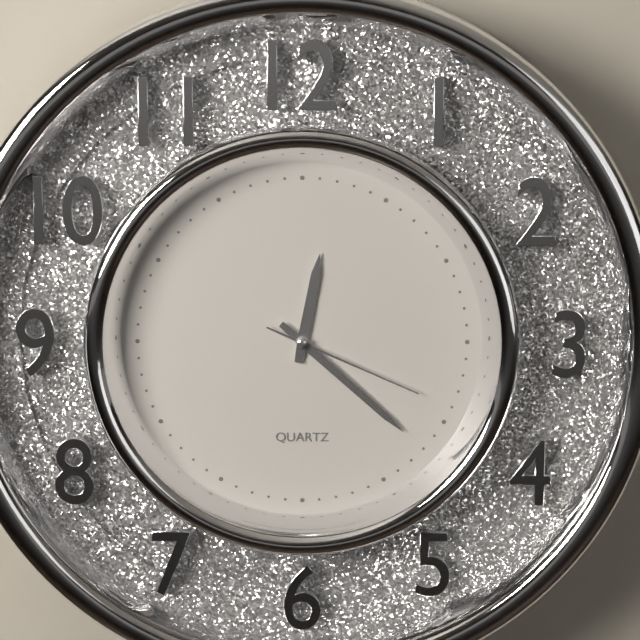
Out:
12 h 22 min 19 s
